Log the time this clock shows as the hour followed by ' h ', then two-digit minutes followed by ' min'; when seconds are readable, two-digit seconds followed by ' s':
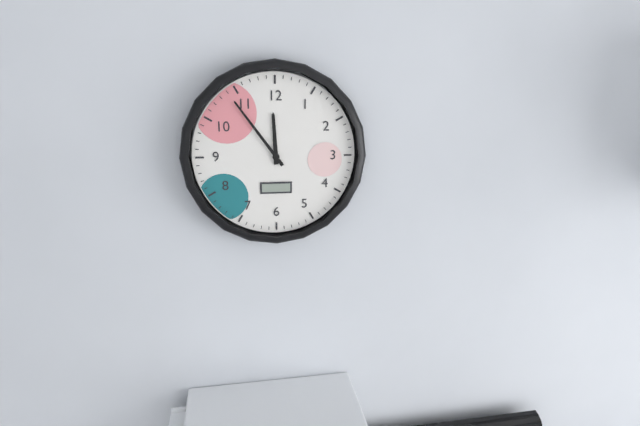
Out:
11 h 54 min
